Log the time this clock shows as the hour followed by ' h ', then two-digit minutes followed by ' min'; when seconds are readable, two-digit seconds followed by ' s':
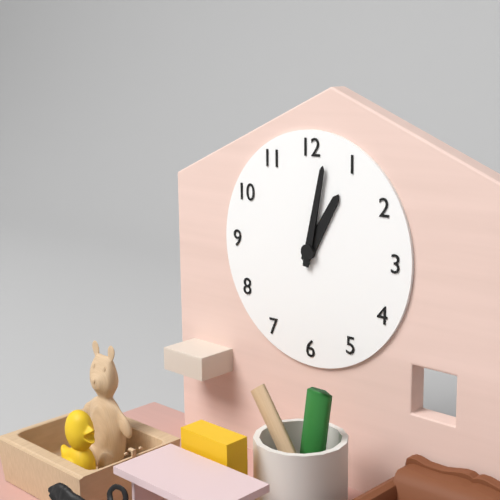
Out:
1 h 02 min
